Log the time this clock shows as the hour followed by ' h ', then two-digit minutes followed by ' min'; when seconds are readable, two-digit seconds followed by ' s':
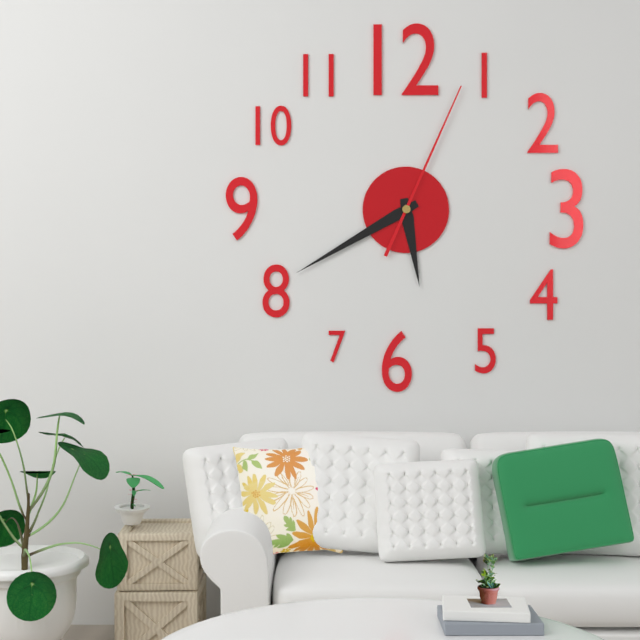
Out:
5 h 40 min 04 s
